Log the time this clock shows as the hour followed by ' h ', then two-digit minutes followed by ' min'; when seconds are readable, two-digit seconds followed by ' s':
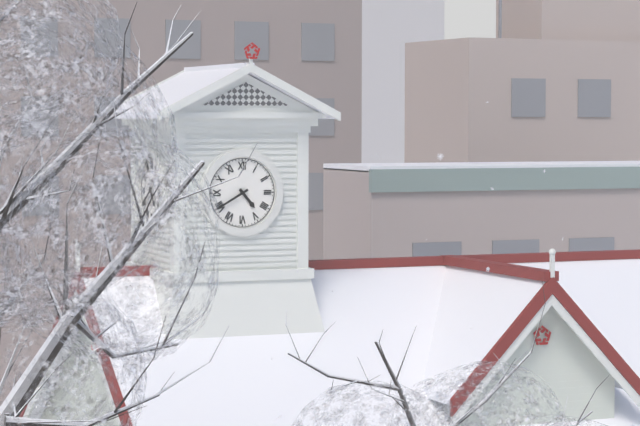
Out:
4 h 40 min
